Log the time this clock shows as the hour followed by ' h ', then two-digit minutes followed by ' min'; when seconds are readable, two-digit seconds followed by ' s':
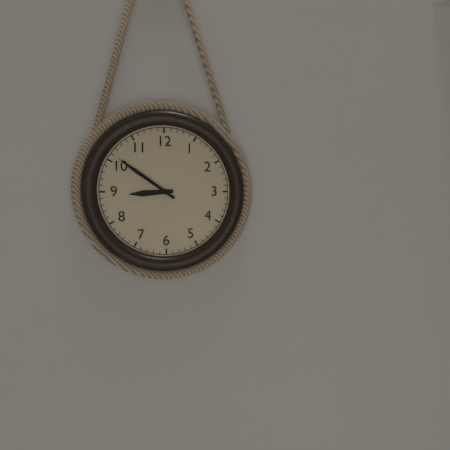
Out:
8 h 51 min
